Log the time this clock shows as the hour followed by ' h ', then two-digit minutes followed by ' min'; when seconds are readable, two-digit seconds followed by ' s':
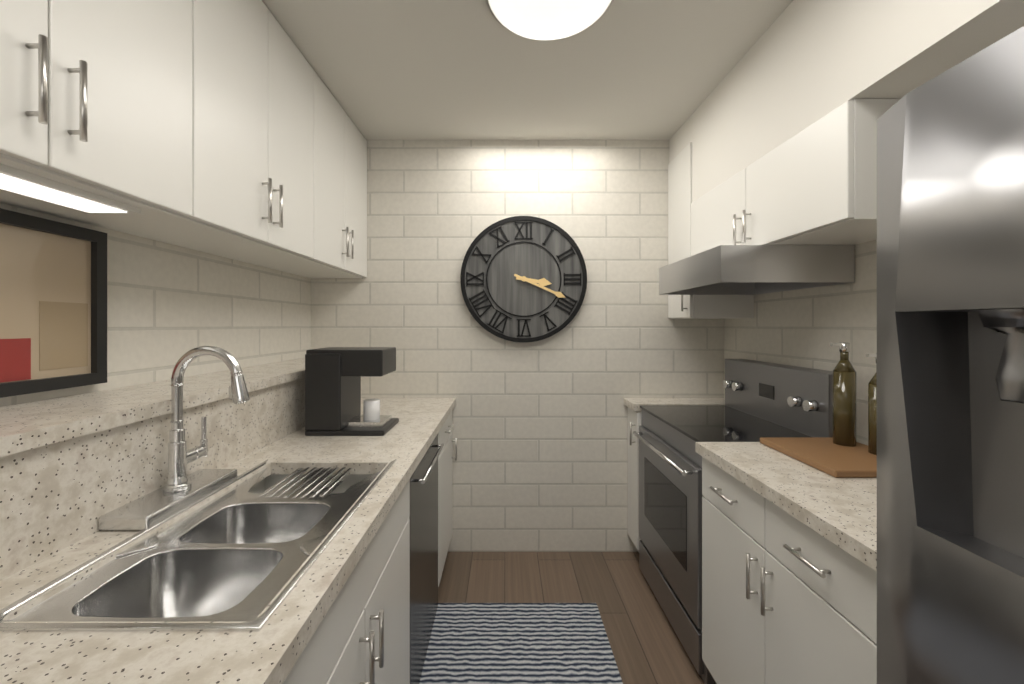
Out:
3 h 19 min
